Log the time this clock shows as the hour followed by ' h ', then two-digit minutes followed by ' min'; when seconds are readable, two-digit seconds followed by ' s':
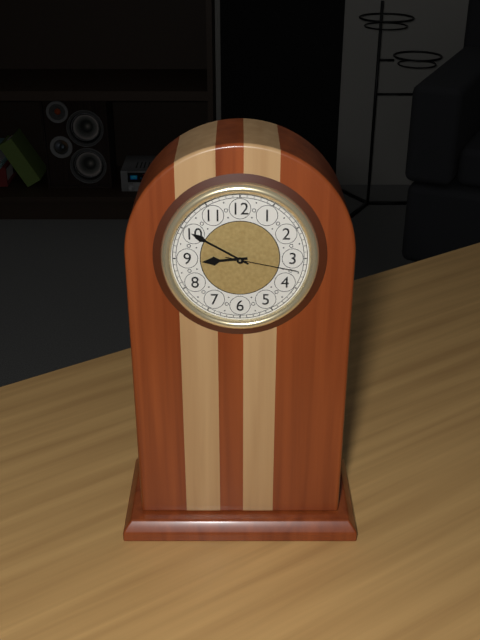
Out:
8 h 50 min 17 s
